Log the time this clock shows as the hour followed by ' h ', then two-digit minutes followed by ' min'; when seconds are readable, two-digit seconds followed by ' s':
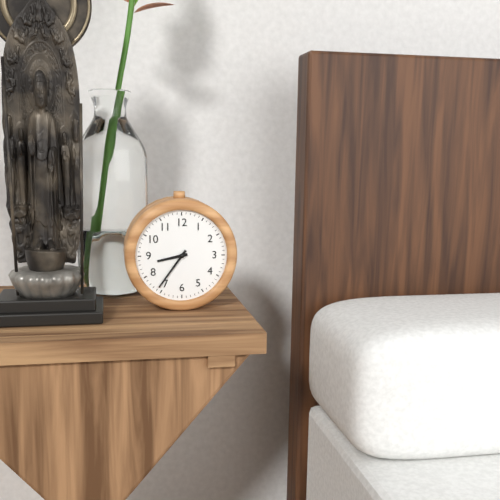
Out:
8 h 36 min
